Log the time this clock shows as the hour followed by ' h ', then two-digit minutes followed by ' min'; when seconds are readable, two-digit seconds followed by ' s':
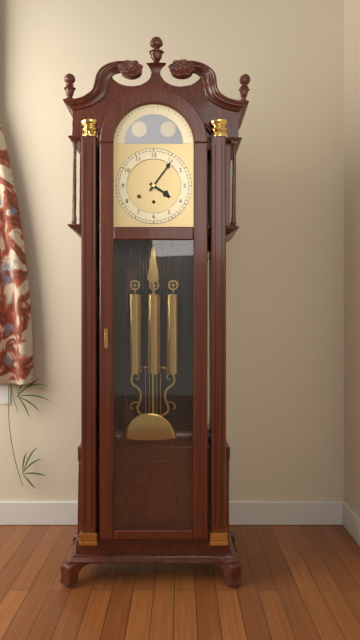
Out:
4 h 06 min
